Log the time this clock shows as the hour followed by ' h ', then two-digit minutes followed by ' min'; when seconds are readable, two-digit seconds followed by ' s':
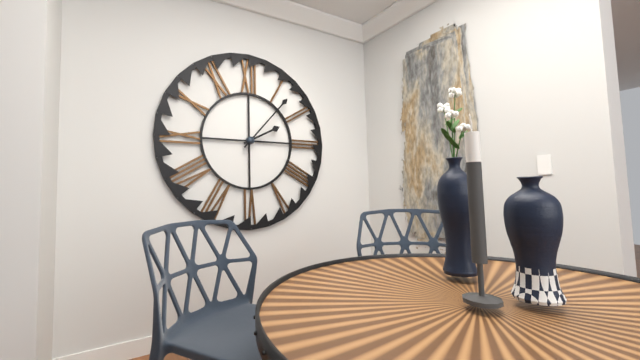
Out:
2 h 07 min
